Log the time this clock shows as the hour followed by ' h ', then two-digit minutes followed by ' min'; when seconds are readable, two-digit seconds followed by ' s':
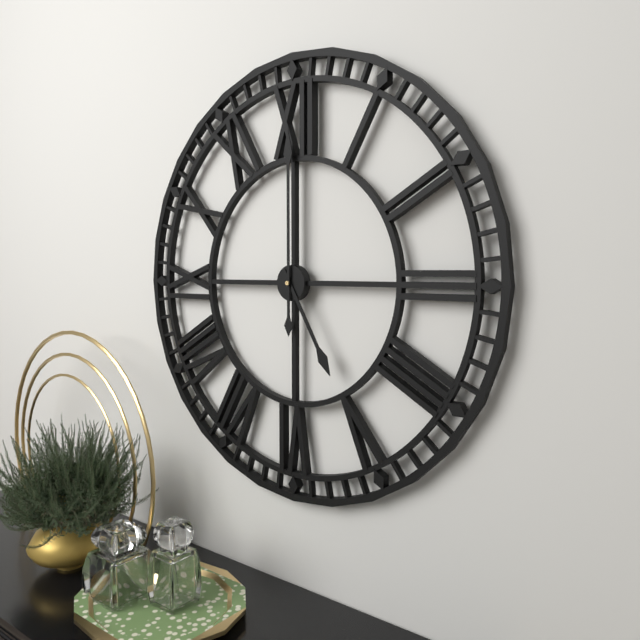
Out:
5 h 00 min
